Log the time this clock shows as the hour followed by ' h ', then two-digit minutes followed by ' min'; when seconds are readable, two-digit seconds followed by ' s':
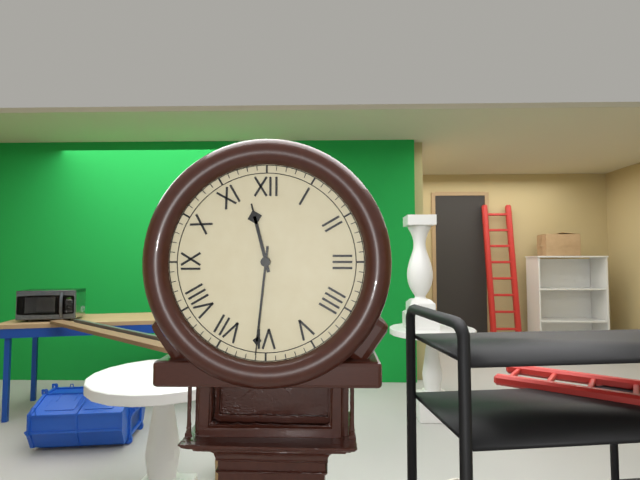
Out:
11 h 31 min
